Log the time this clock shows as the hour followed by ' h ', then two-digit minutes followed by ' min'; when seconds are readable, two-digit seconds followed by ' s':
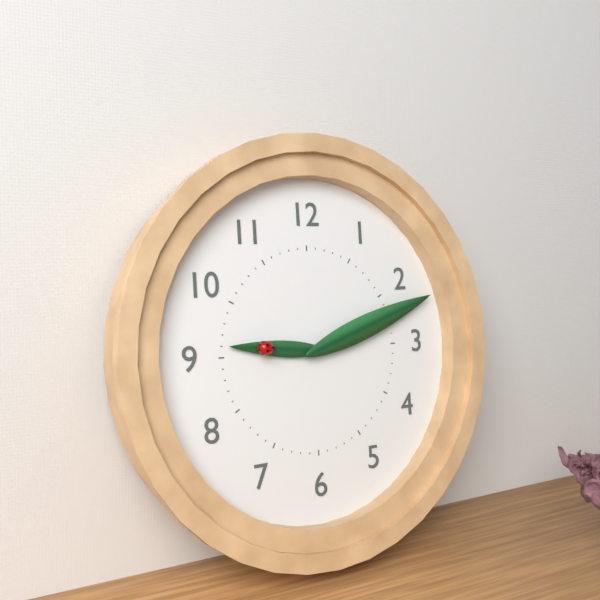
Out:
9 h 12 min
